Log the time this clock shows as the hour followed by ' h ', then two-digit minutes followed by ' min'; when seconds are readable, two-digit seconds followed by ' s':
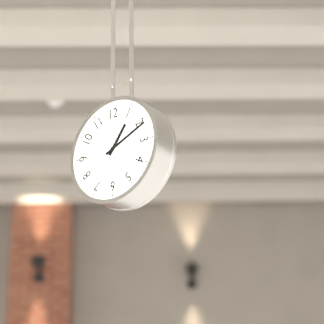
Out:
1 h 11 min
